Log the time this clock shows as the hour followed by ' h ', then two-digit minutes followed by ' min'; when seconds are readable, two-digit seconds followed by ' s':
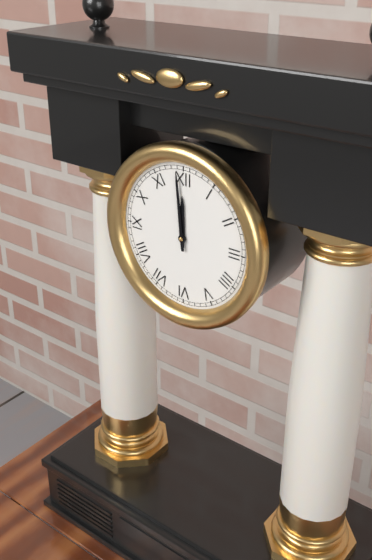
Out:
11 h 59 min
